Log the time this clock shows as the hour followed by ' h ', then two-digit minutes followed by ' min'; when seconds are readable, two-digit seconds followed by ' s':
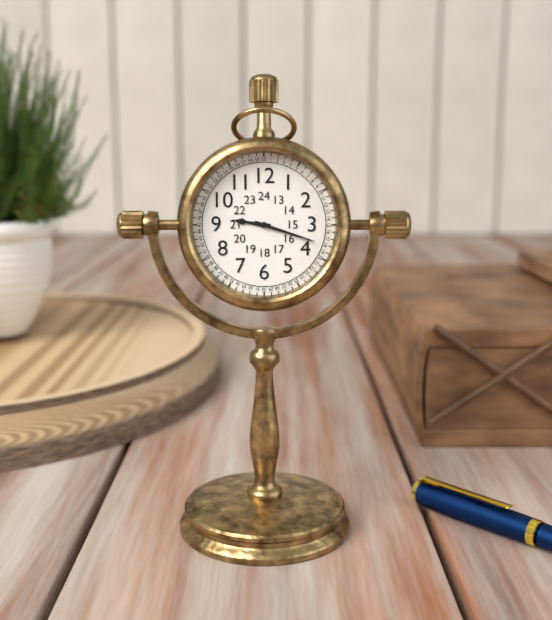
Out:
9 h 18 min
